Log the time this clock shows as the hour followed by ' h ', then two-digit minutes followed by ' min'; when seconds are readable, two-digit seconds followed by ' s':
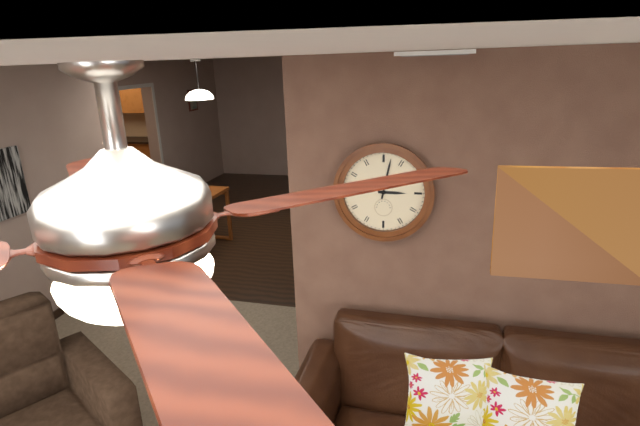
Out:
3 h 02 min
